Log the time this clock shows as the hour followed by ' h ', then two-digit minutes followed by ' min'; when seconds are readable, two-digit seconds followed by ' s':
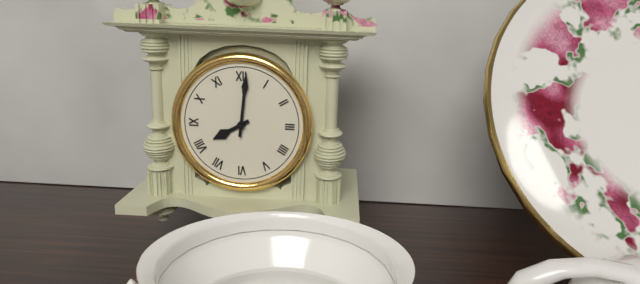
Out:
8 h 01 min
